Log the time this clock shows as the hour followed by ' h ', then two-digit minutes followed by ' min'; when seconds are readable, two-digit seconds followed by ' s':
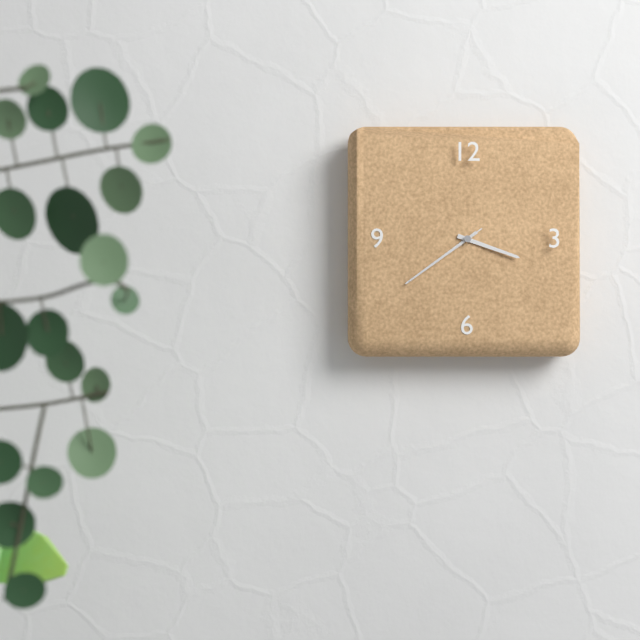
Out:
3 h 39 min 39 s
